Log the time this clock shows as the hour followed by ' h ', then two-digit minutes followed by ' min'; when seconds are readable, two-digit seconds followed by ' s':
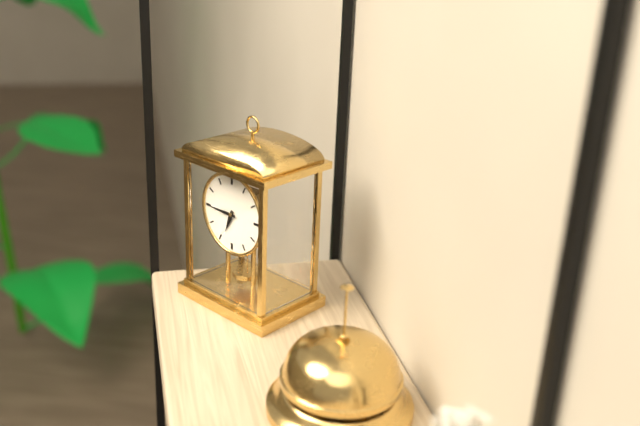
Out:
6 h 45 min
